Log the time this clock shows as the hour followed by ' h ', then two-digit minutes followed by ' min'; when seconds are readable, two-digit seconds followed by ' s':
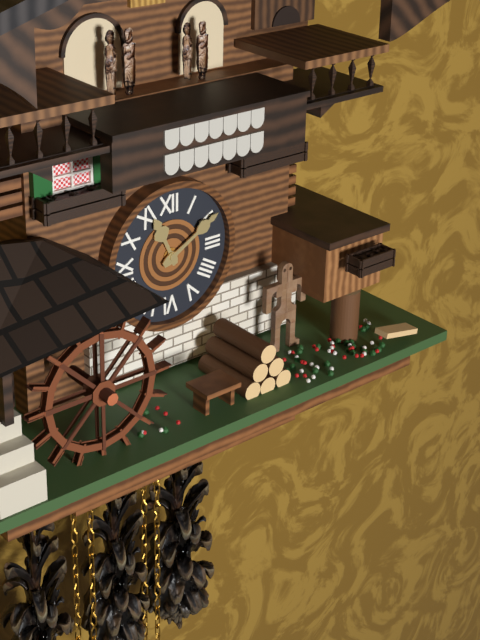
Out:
11 h 10 min
